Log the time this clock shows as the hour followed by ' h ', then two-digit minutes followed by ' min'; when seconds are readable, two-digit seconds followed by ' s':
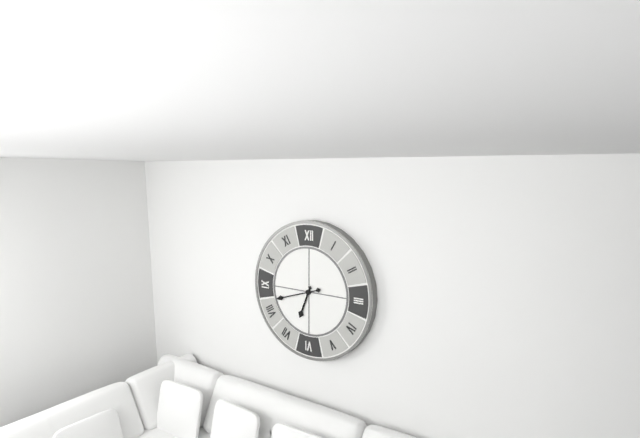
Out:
6 h 42 min
